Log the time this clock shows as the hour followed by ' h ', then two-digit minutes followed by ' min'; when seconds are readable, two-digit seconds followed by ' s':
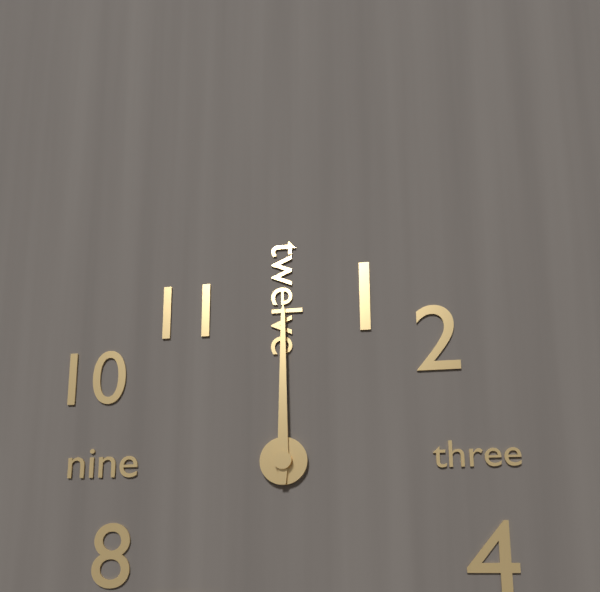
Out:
12 h 00 min
